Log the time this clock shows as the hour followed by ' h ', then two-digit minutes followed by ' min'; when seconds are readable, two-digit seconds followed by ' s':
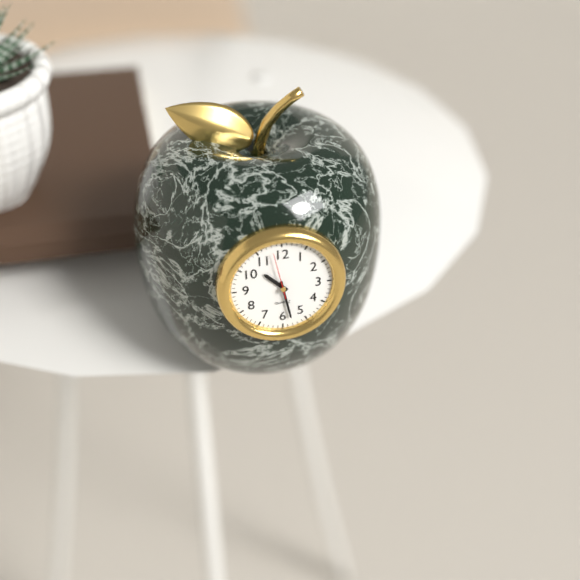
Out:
10 h 28 min
